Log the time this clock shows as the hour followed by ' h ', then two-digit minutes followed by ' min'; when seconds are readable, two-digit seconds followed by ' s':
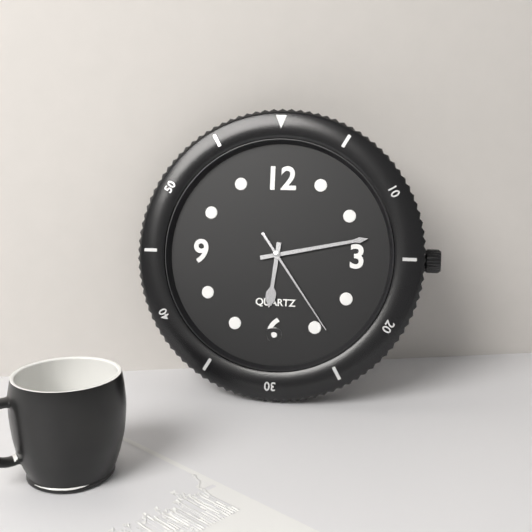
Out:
6 h 13 min 24 s
